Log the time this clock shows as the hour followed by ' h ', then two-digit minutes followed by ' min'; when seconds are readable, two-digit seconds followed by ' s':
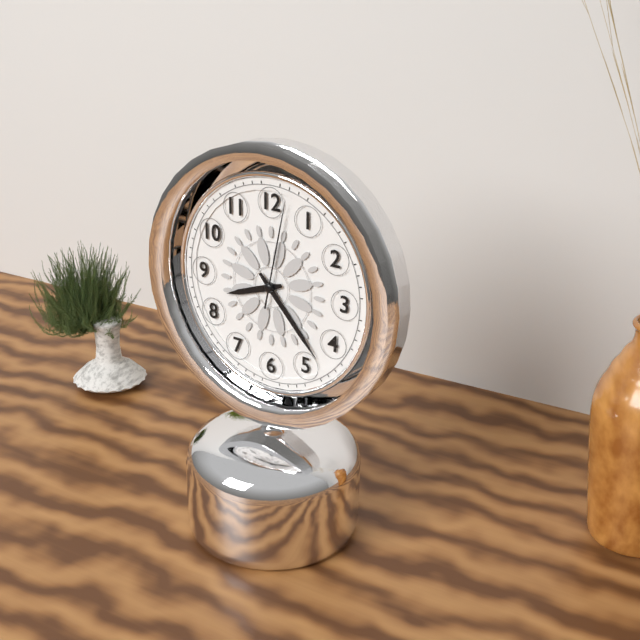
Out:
8 h 23 min 02 s
